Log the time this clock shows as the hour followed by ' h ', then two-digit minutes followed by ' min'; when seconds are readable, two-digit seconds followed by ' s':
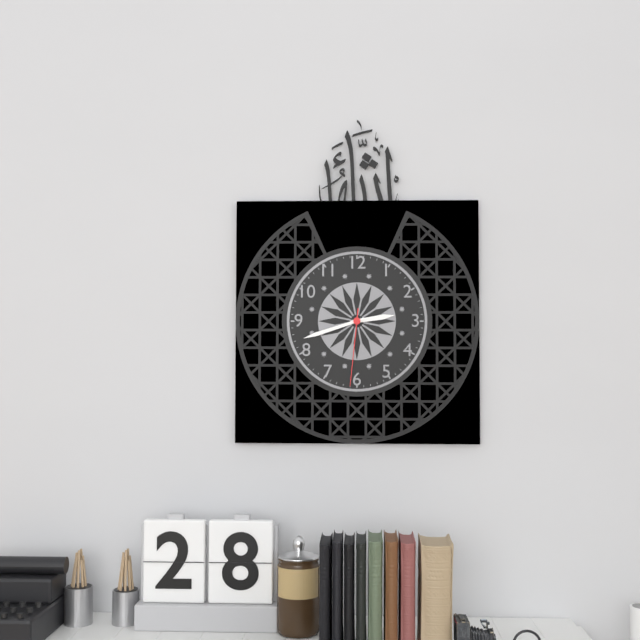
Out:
2 h 42 min 31 s
